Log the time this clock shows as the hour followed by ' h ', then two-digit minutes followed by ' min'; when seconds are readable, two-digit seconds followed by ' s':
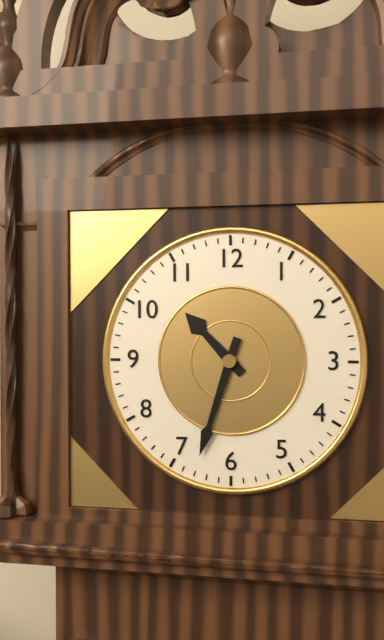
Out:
10 h 33 min
